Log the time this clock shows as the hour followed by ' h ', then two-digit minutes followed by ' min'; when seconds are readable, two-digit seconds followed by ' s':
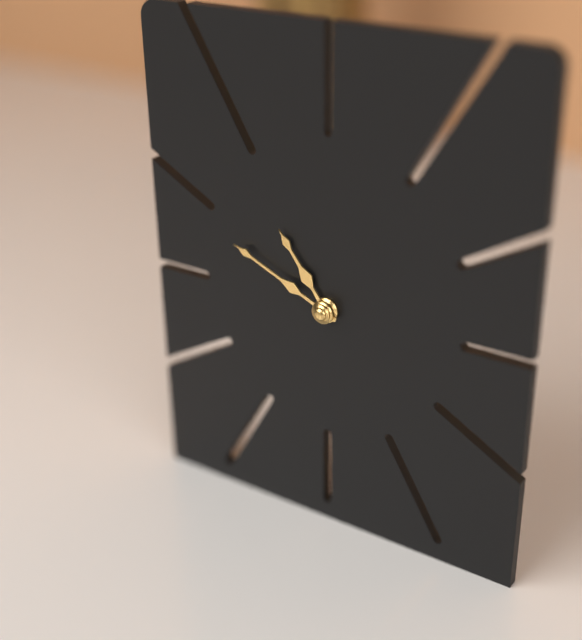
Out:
10 h 49 min
